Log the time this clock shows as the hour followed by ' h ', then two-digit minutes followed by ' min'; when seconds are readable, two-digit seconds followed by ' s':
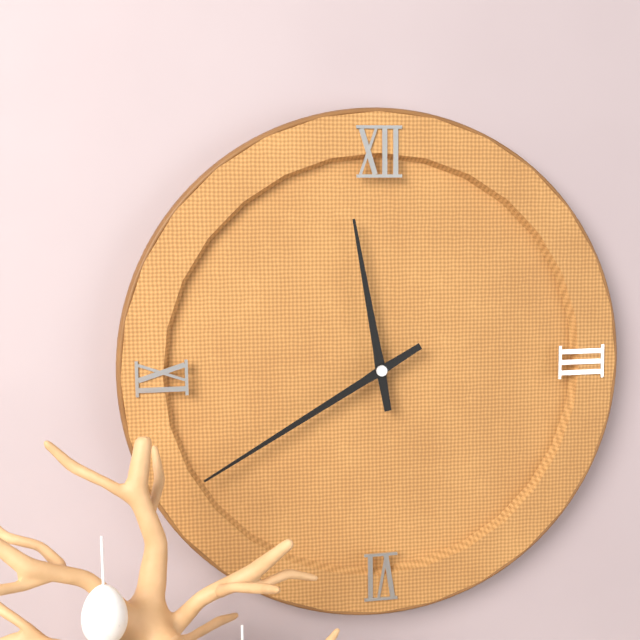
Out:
11 h 40 min
